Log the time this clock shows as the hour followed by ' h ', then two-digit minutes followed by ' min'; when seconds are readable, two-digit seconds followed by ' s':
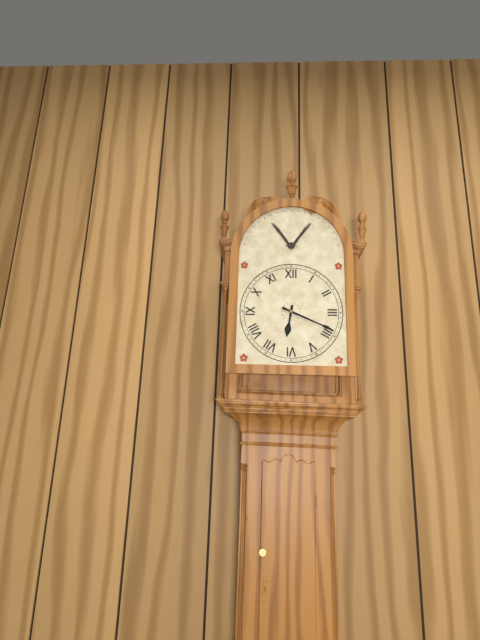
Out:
6 h 19 min
